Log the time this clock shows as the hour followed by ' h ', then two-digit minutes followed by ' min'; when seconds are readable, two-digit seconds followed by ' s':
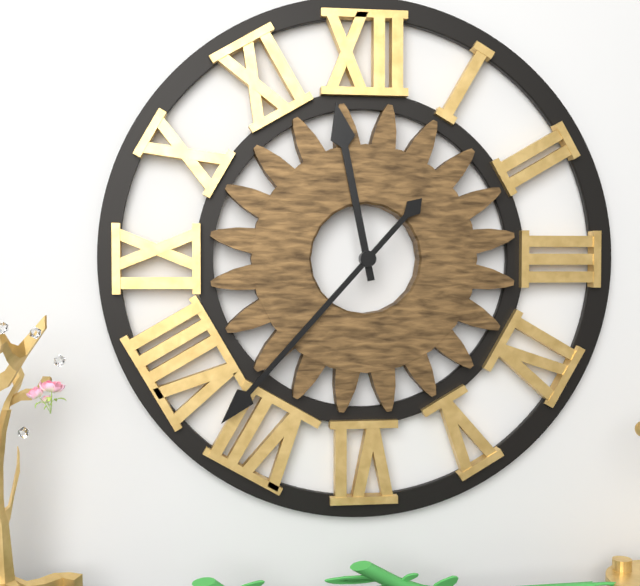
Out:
11 h 37 min
